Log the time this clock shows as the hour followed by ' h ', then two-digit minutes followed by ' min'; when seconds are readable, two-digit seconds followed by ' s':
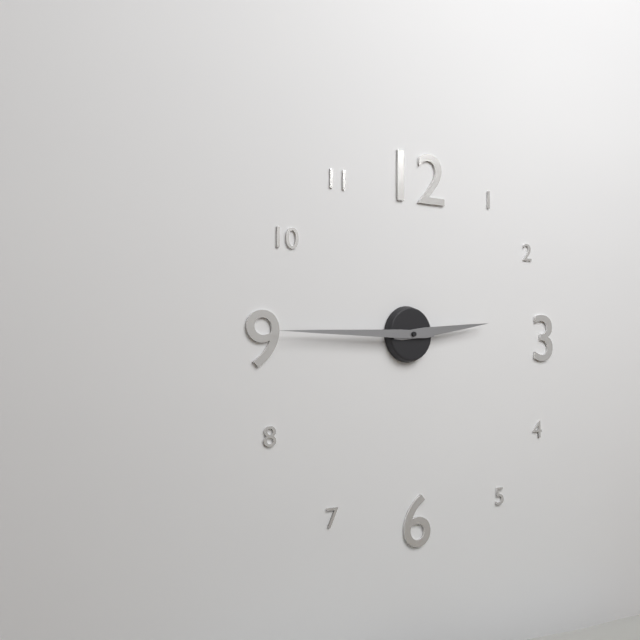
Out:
2 h 45 min
